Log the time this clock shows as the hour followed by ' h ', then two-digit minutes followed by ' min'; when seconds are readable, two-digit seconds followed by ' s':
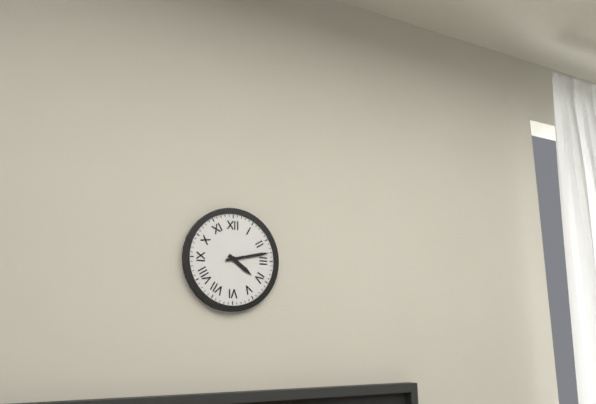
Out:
4 h 13 min
